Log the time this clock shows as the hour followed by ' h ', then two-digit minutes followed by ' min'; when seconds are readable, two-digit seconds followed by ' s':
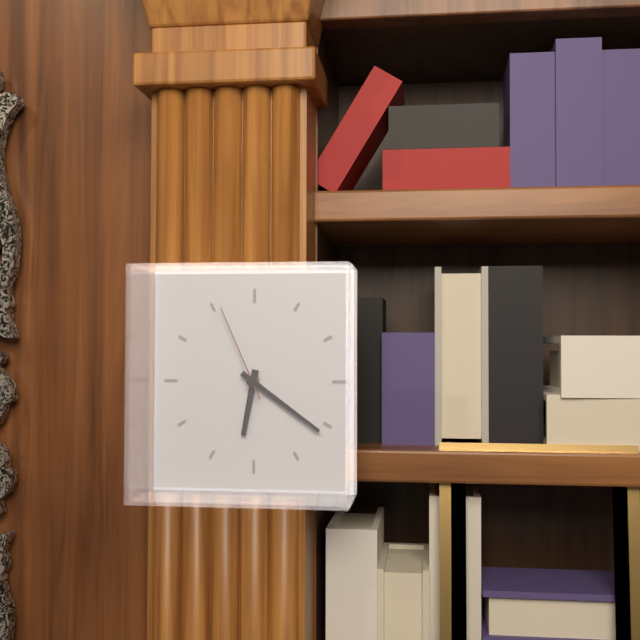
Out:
6 h 21 min 56 s
